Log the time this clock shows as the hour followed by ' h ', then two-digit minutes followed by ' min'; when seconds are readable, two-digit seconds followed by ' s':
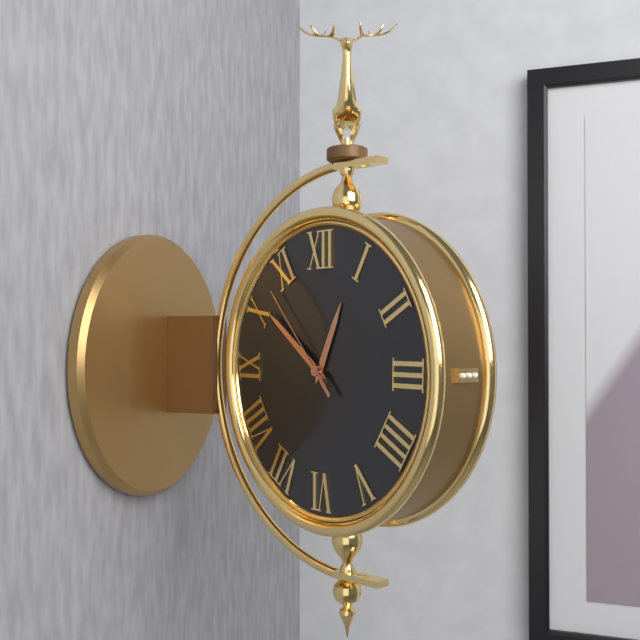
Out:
12 h 51 min 53 s
